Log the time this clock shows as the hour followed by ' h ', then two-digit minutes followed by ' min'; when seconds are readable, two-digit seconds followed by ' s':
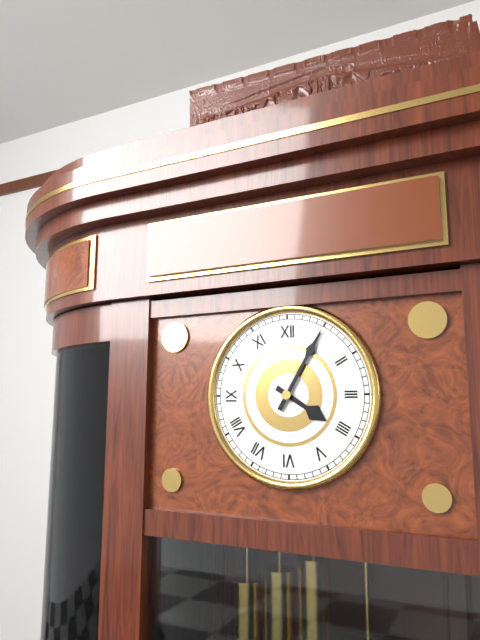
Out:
4 h 05 min
